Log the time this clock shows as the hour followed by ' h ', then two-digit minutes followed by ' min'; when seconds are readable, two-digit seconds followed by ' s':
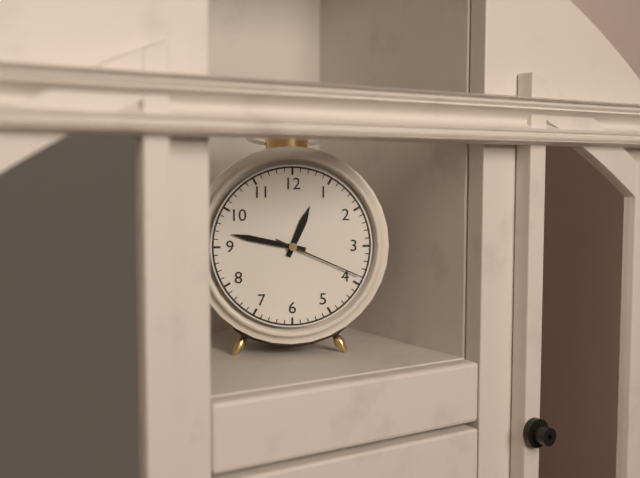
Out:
12 h 47 min 19 s
